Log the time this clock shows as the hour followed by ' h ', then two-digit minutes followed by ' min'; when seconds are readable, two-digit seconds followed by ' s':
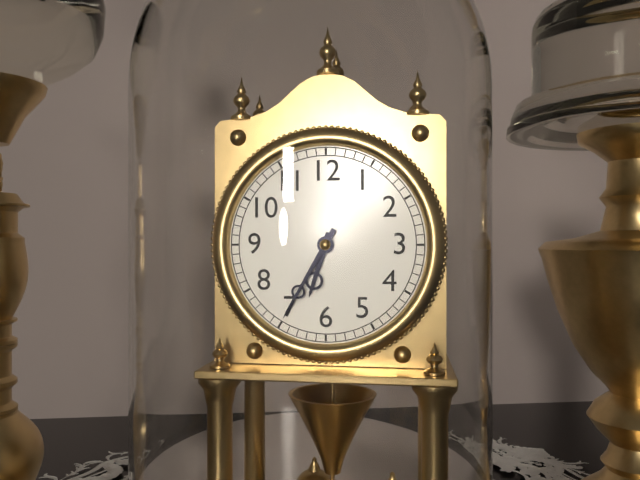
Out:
6 h 35 min
